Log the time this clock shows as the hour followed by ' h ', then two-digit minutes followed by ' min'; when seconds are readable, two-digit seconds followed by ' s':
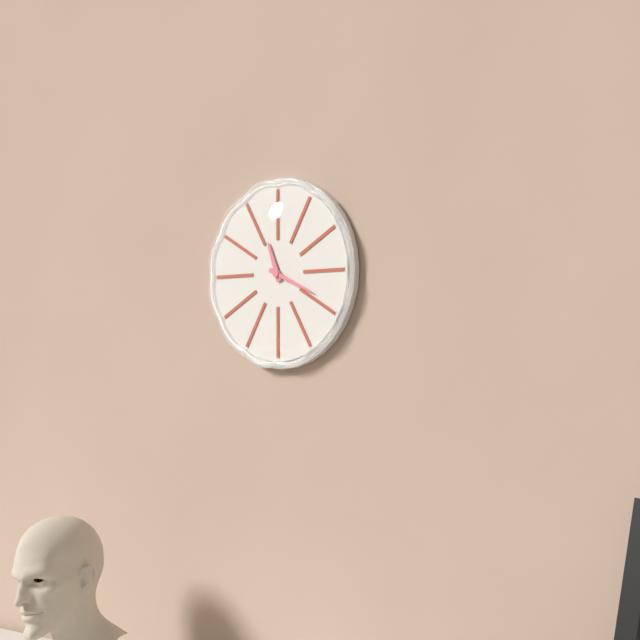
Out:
11 h 19 min
